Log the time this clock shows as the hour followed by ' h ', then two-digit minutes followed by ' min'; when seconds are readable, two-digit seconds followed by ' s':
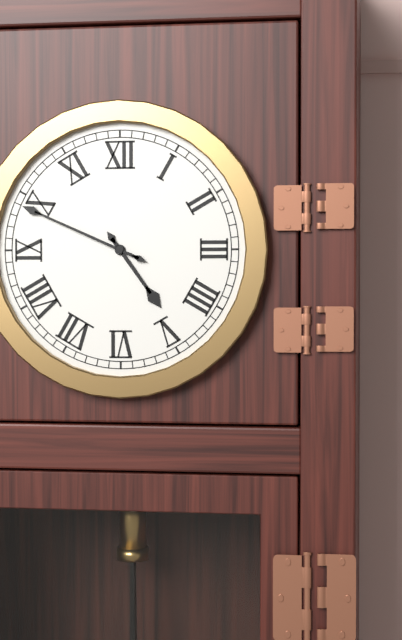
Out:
4 h 49 min
